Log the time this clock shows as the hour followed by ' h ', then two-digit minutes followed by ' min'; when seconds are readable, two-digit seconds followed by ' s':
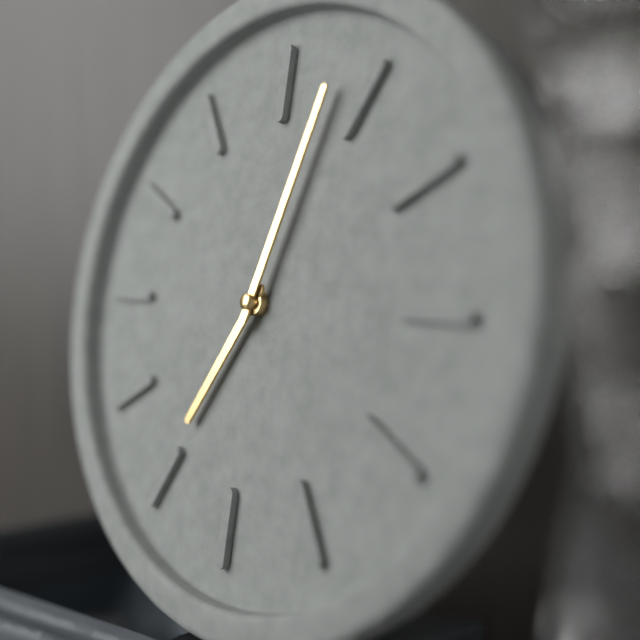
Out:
7 h 03 min
